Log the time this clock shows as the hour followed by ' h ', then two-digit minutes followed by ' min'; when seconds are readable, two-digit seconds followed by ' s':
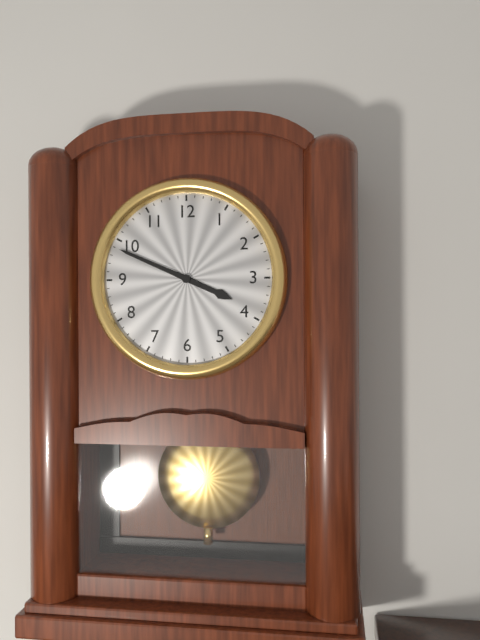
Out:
3 h 49 min
